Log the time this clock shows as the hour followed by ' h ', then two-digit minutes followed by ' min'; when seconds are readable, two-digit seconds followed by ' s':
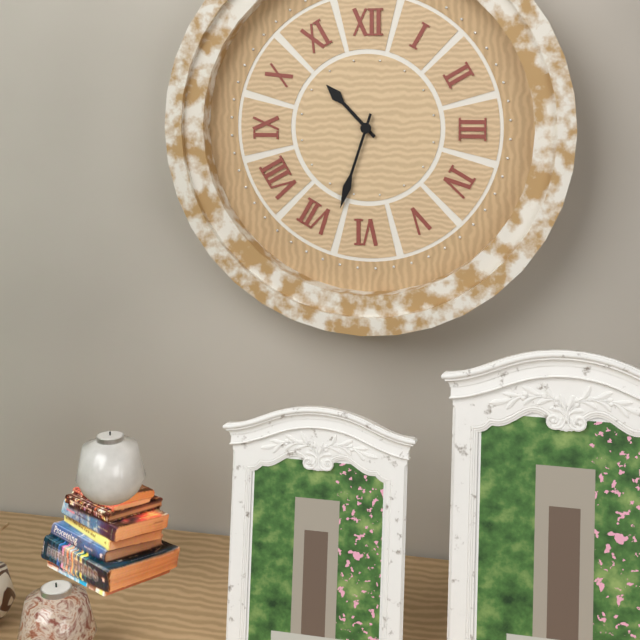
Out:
10 h 33 min
